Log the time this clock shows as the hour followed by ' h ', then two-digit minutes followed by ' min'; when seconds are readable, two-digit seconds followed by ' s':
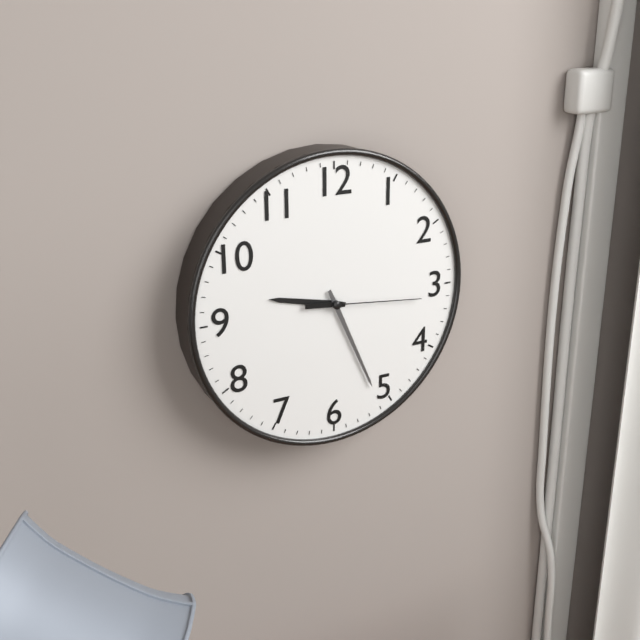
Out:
9 h 26 min 16 s
